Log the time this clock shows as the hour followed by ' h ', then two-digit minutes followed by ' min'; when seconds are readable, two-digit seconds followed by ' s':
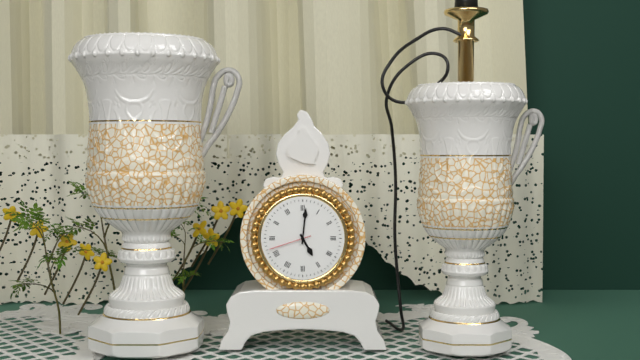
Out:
5 h 01 min
